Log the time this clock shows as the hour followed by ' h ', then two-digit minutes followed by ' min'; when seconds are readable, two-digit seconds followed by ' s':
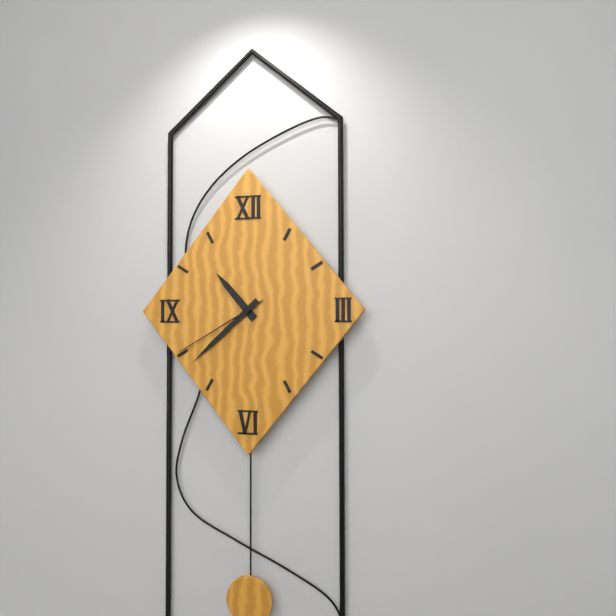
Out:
10 h 38 min 40 s
